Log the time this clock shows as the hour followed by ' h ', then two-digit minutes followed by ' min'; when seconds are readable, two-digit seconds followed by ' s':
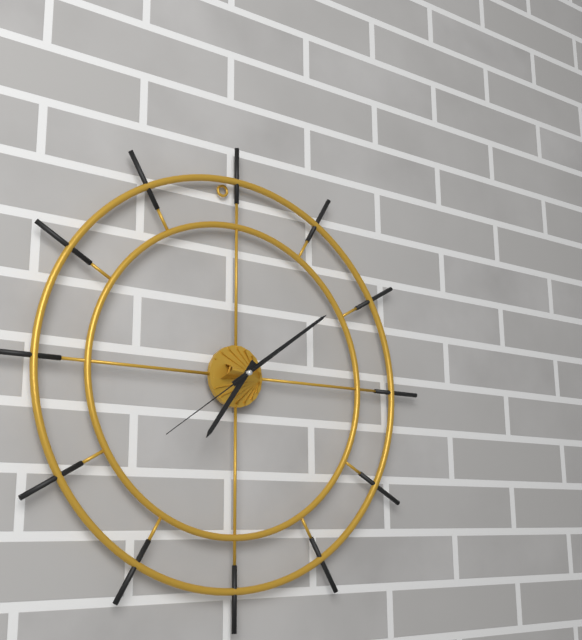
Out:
7 h 09 min 39 s
